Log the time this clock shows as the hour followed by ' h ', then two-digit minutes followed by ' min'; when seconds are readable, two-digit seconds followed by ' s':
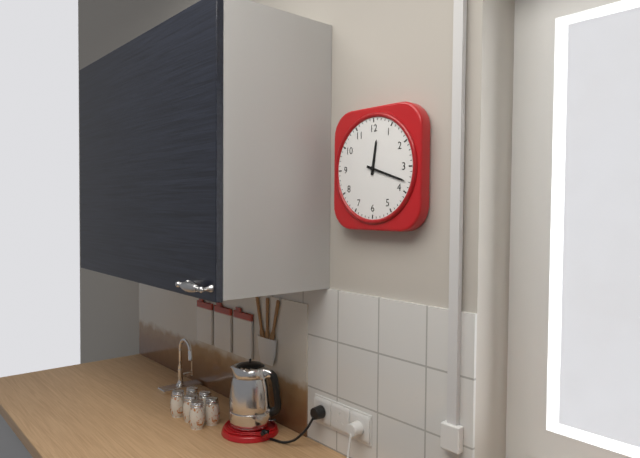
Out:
12 h 18 min
